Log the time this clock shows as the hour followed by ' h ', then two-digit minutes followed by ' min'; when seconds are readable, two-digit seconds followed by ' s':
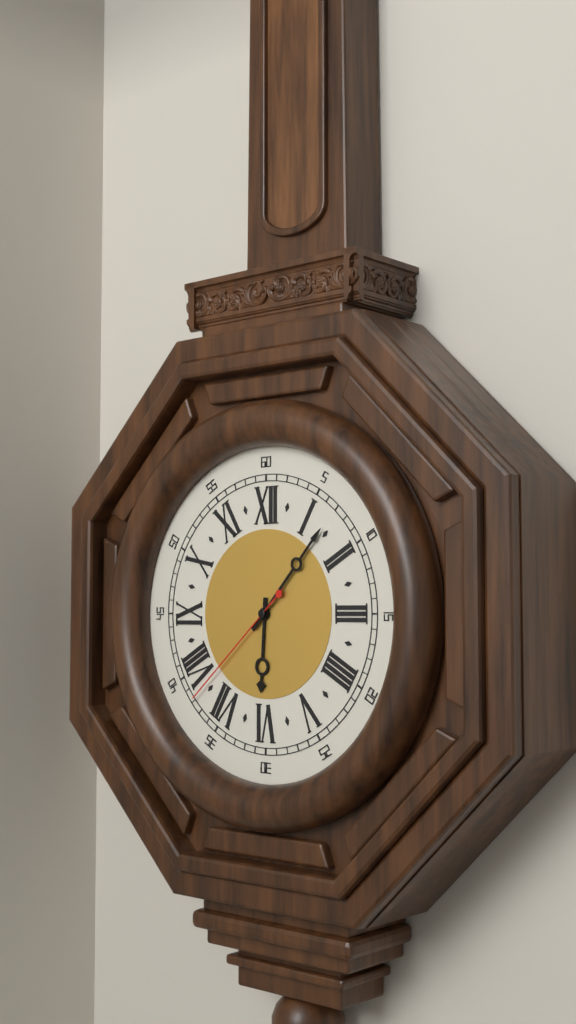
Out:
6 h 07 min 38 s
